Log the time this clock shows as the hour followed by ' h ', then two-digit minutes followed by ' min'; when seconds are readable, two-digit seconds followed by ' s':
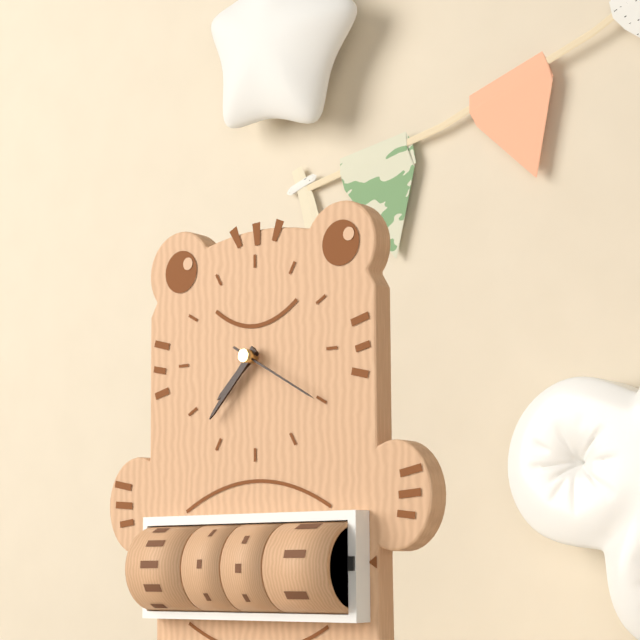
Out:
7 h 37 min 20 s
